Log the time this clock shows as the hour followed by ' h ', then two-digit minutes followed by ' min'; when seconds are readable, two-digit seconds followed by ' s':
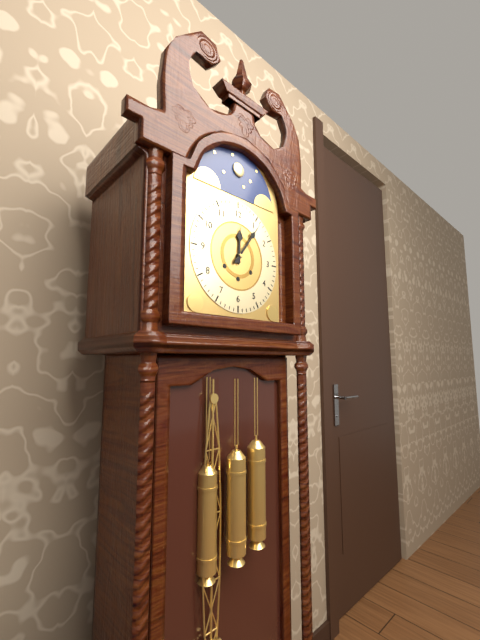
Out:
12 h 06 min
